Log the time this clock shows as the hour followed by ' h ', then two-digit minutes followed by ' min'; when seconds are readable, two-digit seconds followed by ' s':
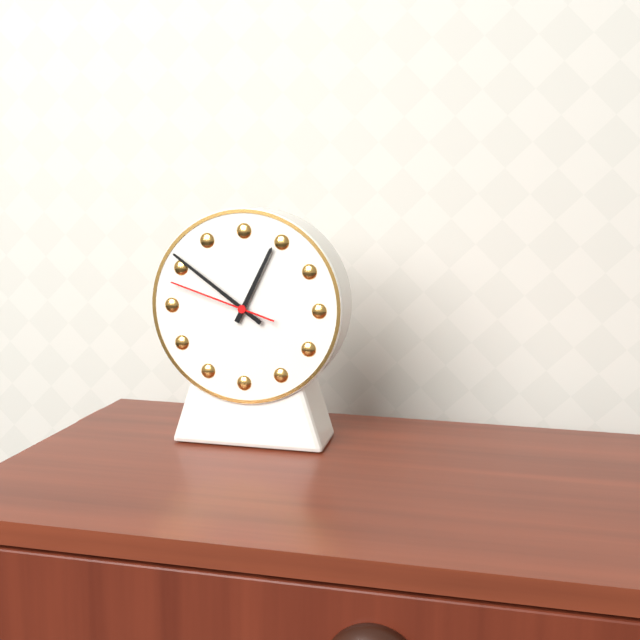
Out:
12 h 51 min 48 s
